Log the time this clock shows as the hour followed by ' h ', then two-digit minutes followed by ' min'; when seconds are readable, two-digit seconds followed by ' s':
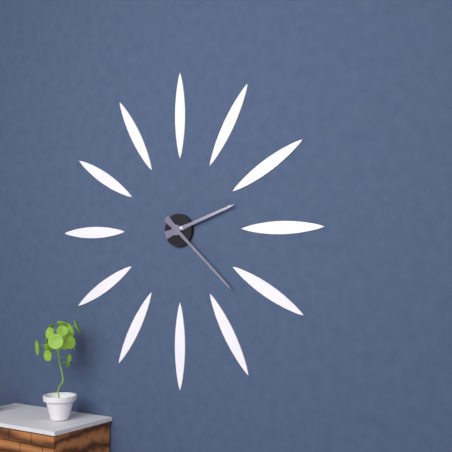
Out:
2 h 22 min
